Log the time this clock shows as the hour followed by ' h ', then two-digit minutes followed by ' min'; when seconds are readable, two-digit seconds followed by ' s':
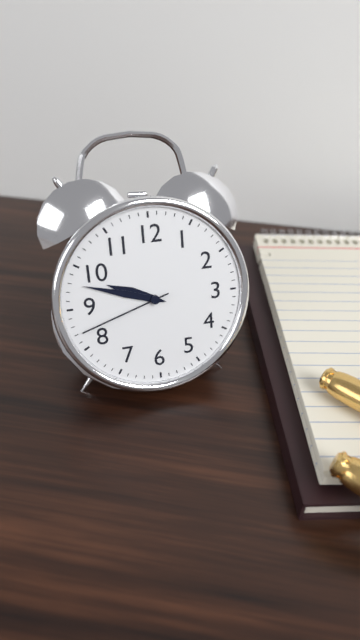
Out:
9 h 48 min 42 s
